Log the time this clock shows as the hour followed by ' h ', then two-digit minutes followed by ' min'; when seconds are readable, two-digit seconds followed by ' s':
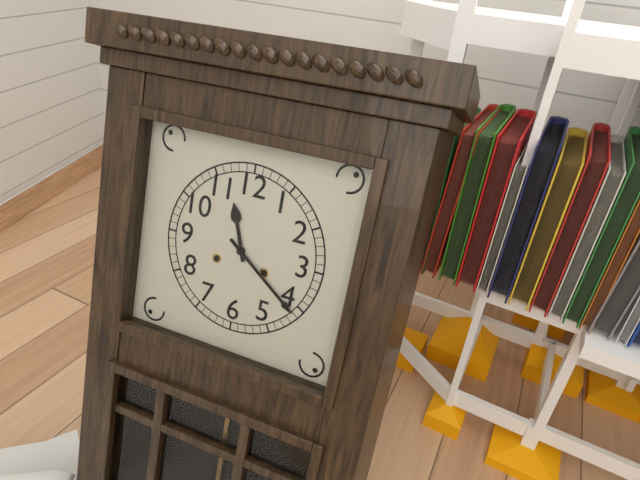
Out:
11 h 21 min
